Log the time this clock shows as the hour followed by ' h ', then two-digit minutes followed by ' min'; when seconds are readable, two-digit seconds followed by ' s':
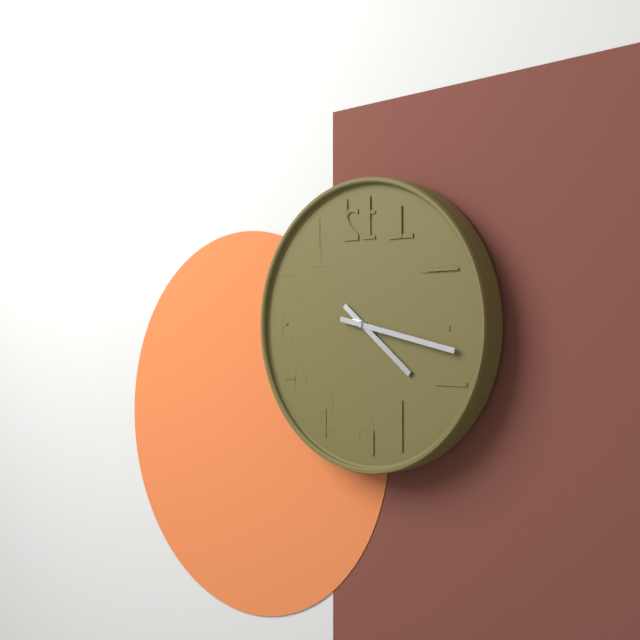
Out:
4 h 17 min
